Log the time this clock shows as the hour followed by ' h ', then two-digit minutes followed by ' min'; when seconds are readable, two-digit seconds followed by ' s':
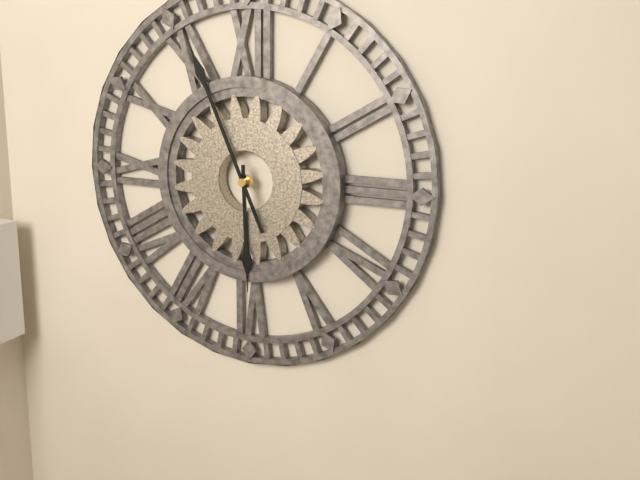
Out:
5 h 56 min
